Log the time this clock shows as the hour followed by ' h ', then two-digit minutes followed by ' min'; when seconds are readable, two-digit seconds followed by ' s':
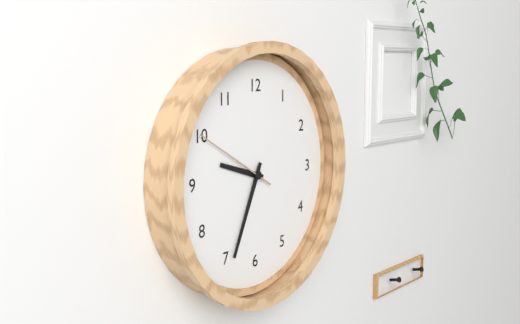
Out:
9 h 34 min 50 s
